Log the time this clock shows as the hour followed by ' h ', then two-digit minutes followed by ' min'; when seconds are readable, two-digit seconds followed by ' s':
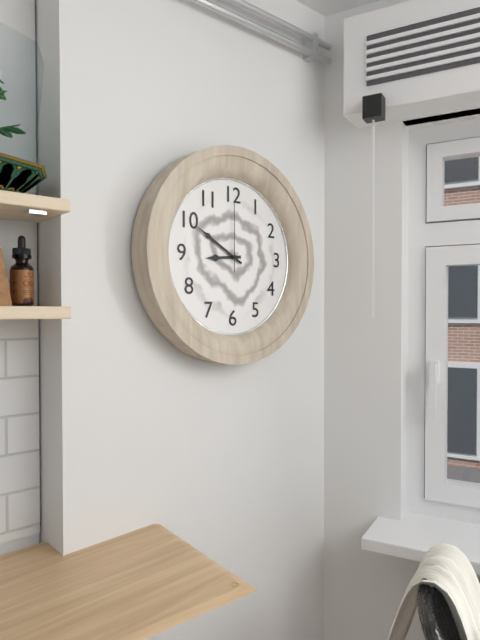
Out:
8 h 50 min 00 s
